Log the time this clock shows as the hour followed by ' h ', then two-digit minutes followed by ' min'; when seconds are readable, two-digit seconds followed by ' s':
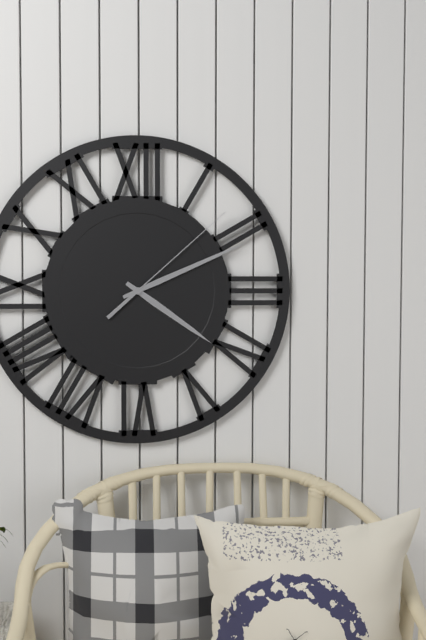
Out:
4 h 11 min 08 s
